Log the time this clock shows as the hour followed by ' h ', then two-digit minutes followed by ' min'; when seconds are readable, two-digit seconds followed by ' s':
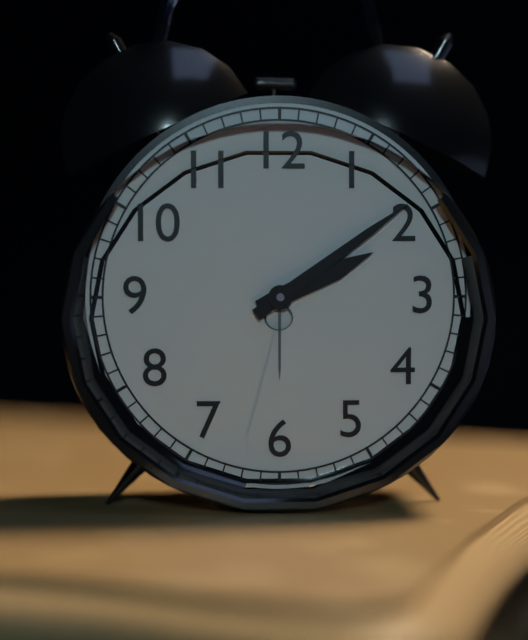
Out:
2 h 09 min
